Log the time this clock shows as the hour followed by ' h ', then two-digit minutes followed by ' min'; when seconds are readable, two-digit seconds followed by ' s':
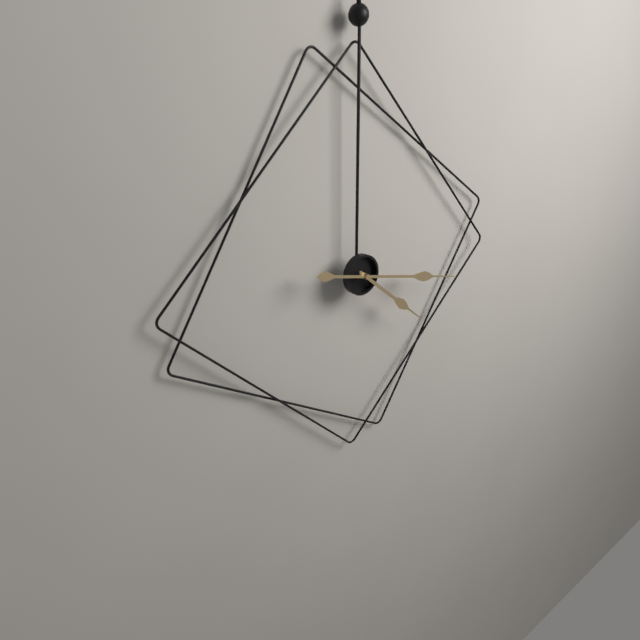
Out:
4 h 17 min
